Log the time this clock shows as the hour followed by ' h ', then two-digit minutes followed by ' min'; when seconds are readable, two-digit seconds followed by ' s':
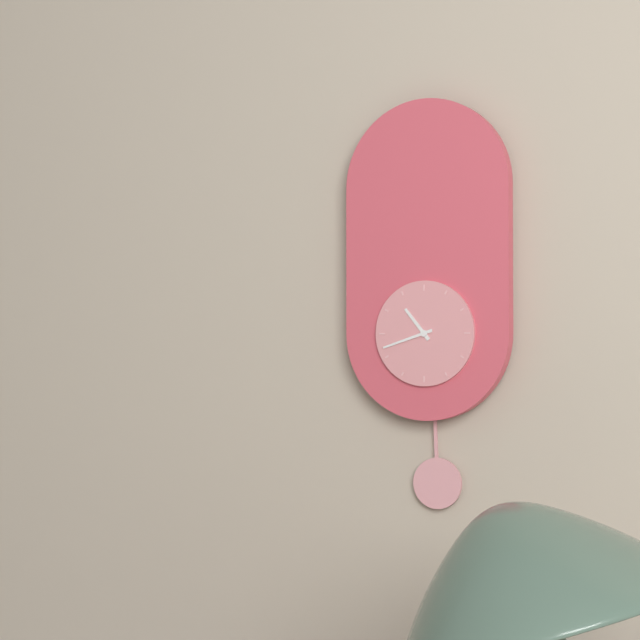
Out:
10 h 42 min
